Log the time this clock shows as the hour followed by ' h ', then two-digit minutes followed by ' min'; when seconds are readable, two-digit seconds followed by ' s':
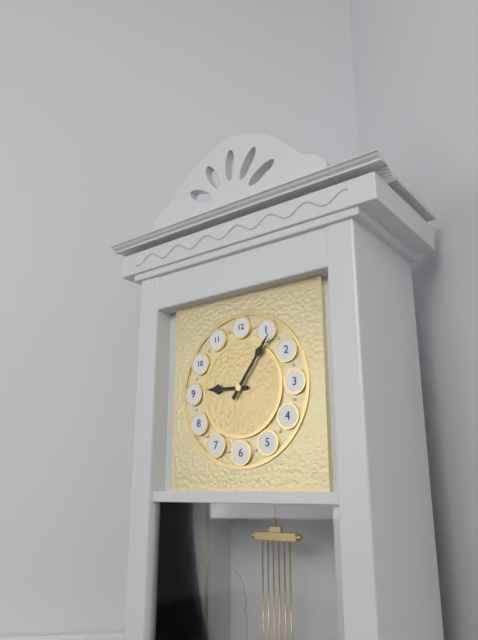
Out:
9 h 06 min
